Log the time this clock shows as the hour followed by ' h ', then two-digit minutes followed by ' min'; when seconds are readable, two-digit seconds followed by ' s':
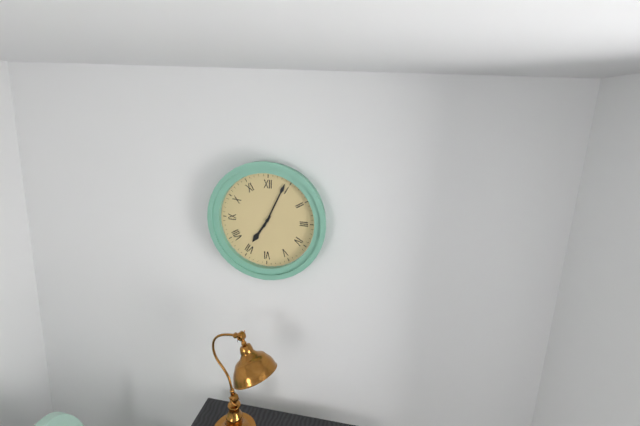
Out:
7 h 04 min
